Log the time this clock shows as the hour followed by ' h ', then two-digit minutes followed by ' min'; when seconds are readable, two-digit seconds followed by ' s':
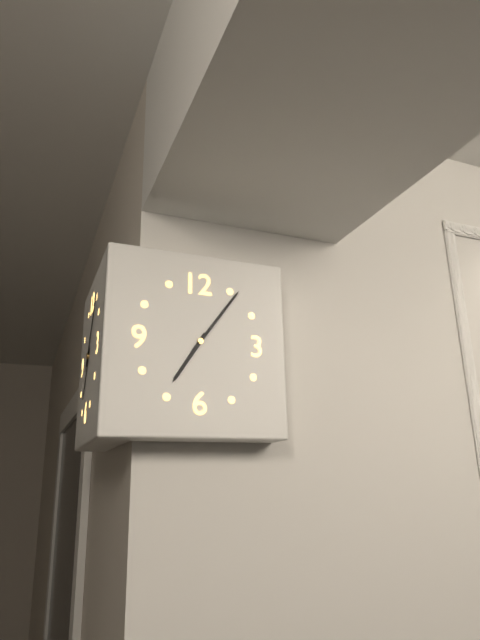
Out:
7 h 06 min 06 s
